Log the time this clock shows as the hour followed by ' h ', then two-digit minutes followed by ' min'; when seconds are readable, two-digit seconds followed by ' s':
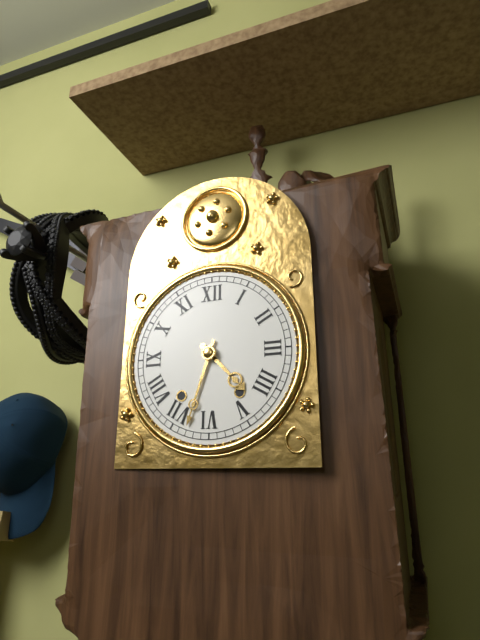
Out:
4 h 33 min
